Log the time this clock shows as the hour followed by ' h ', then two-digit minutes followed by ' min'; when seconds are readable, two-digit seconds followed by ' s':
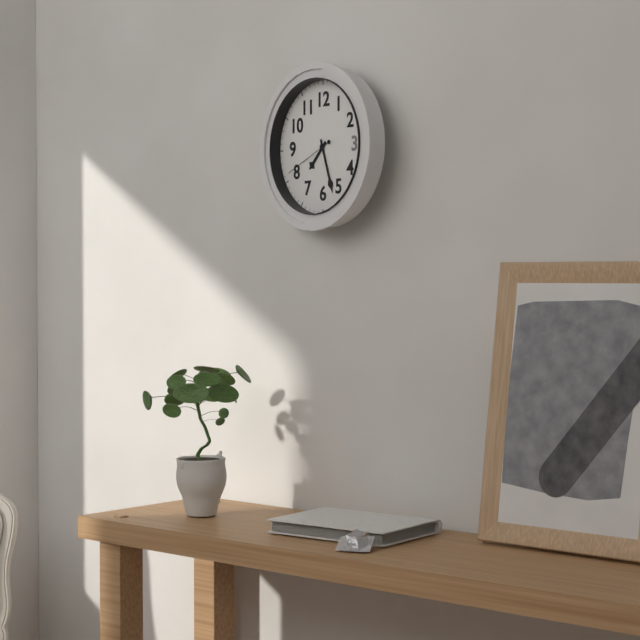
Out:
7 h 27 min 41 s
